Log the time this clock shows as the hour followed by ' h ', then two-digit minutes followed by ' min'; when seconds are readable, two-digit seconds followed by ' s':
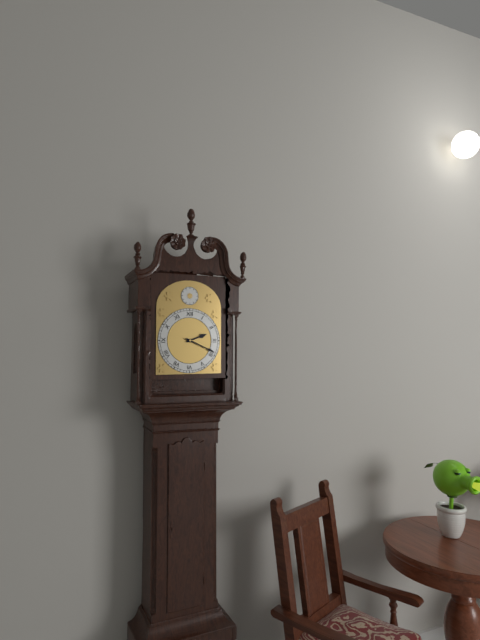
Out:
2 h 19 min
